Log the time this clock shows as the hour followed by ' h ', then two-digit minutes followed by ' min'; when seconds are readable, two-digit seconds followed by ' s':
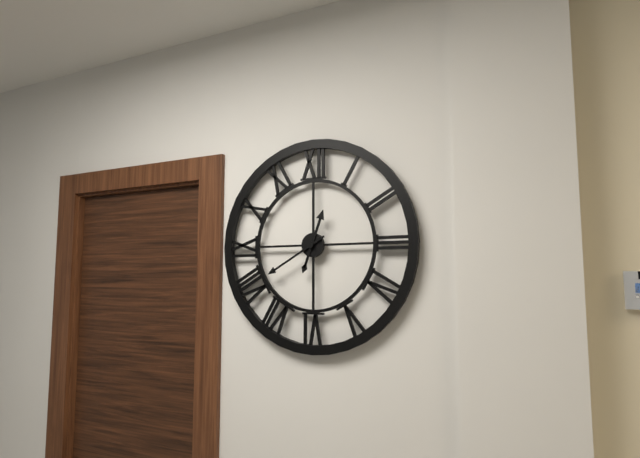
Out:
12 h 40 min
